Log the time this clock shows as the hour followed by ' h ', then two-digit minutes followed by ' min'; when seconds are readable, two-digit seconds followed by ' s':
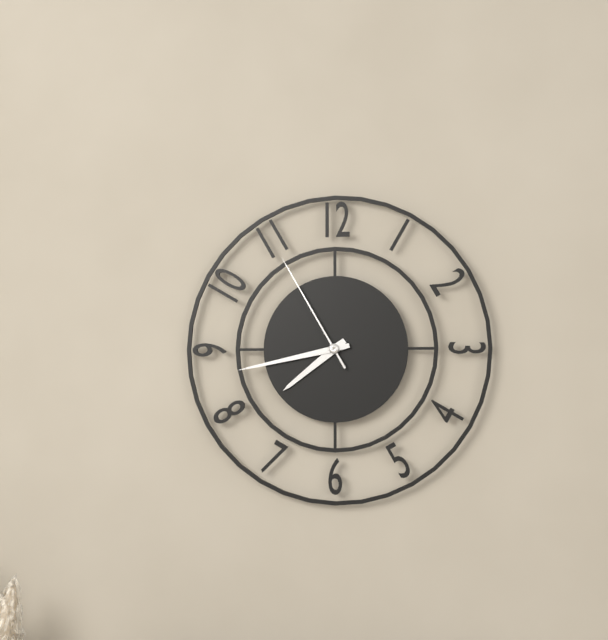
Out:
7 h 43 min 55 s
